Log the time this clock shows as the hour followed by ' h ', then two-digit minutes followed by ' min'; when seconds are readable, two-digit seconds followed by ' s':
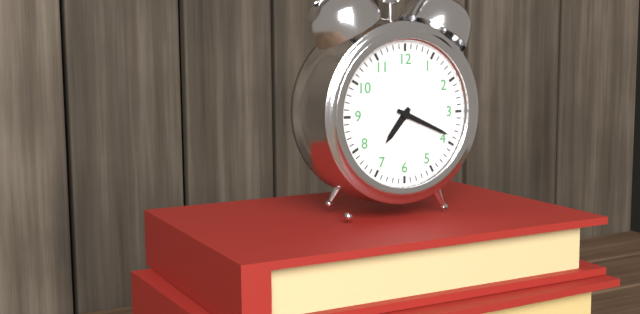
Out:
7 h 19 min
